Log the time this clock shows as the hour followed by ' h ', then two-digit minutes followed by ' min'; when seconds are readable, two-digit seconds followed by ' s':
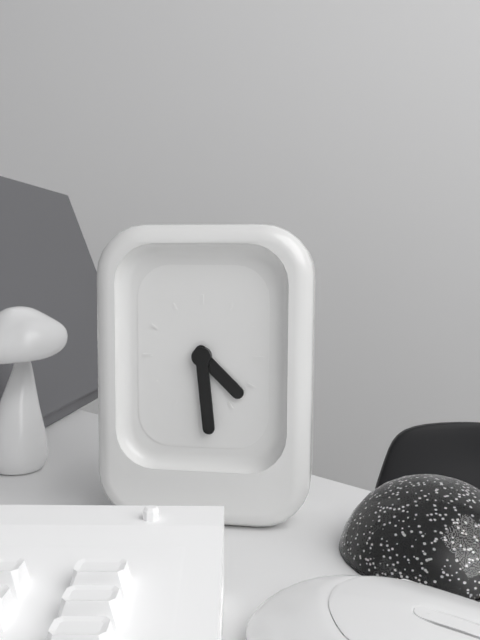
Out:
4 h 29 min
